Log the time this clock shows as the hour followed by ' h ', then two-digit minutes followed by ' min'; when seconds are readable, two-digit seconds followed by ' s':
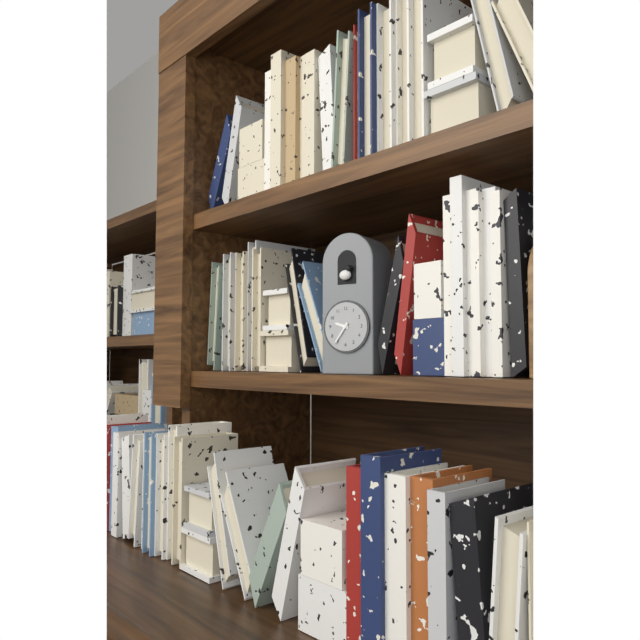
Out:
9 h 36 min
